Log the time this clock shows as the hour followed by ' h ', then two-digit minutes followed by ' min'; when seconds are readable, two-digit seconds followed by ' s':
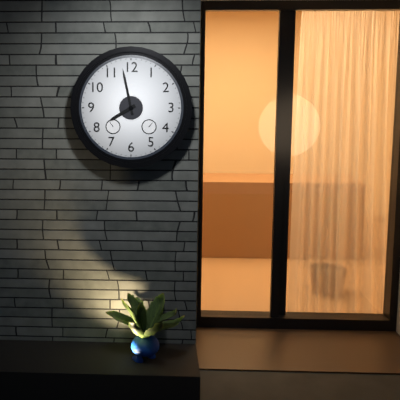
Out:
7 h 58 min
